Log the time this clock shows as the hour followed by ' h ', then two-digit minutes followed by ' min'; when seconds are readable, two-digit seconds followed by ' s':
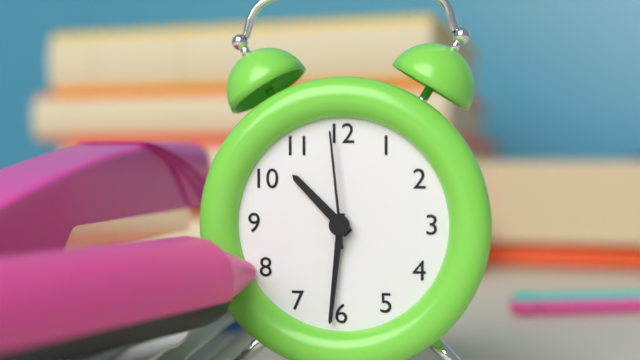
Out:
10 h 31 min 59 s
